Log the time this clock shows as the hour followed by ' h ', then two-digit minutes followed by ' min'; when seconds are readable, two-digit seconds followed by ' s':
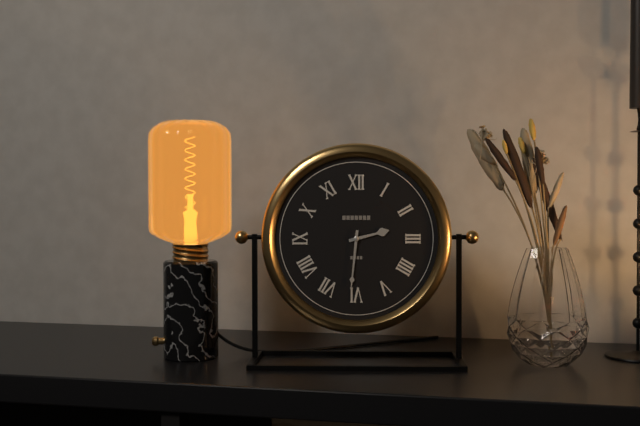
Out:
2 h 31 min
